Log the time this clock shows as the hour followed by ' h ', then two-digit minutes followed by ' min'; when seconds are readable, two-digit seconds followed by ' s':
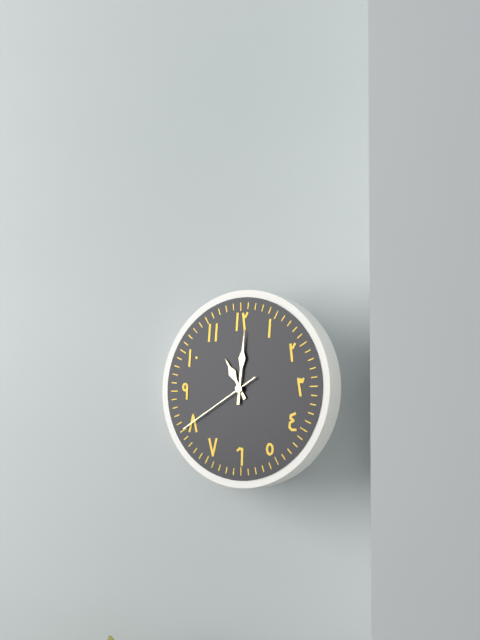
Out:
11 h 01 min 40 s
